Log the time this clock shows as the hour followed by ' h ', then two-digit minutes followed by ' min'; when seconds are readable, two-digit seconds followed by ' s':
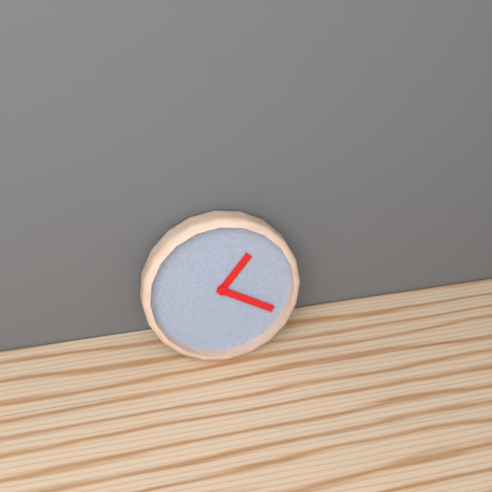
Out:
1 h 20 min
